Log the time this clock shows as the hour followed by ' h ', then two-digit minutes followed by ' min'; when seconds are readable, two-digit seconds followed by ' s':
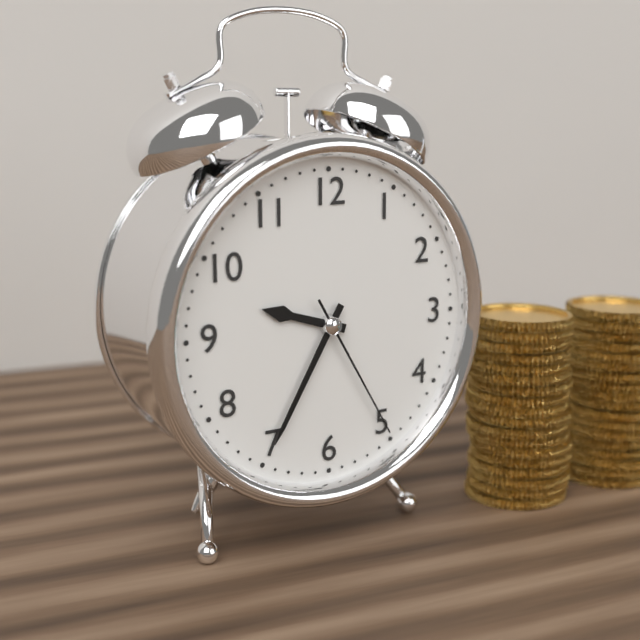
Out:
9 h 35 min 25 s
